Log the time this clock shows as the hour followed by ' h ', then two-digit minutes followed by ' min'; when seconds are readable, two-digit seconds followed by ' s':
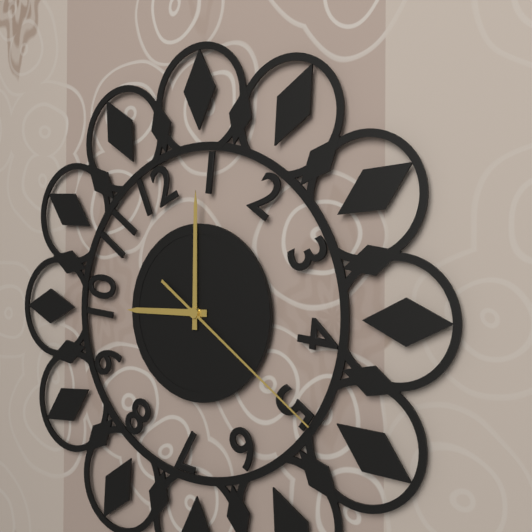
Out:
9 h 00 min 21 s
